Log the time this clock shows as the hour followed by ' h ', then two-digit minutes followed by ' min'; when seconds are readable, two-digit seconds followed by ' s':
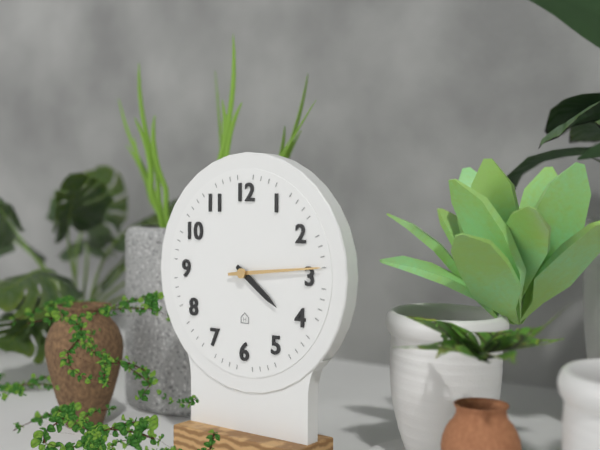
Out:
4 h 14 min
